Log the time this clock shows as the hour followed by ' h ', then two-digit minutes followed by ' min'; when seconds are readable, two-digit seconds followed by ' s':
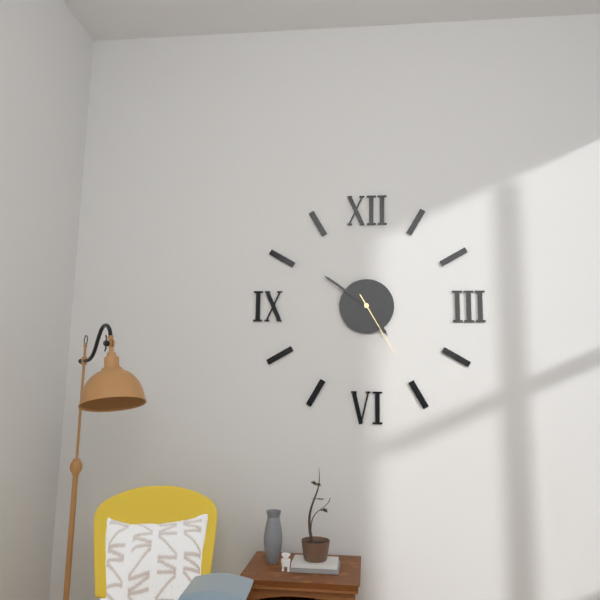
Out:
4 h 51 min 25 s
